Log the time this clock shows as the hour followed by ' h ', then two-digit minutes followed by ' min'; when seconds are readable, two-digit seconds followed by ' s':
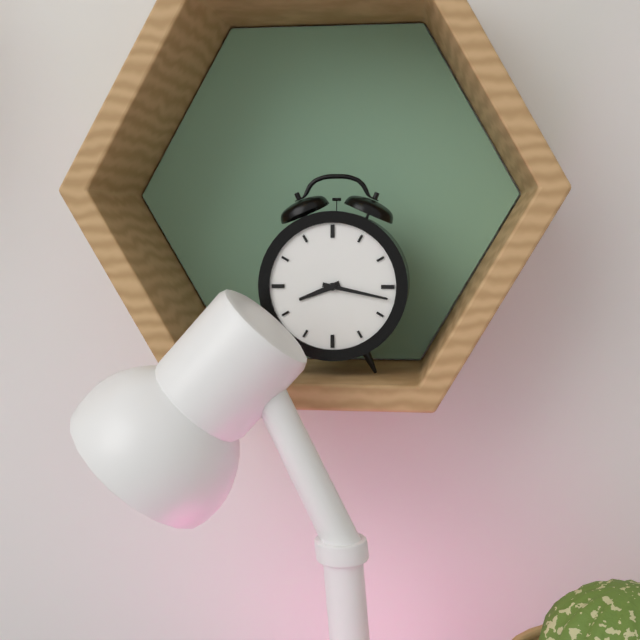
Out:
8 h 17 min
